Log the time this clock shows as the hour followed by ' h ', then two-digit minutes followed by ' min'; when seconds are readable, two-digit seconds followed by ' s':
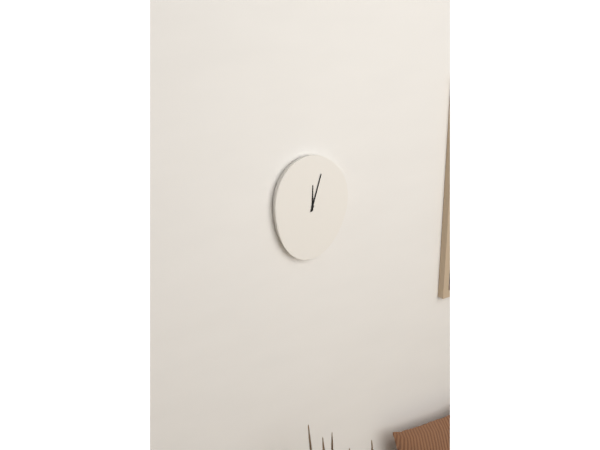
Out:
12 h 03 min
